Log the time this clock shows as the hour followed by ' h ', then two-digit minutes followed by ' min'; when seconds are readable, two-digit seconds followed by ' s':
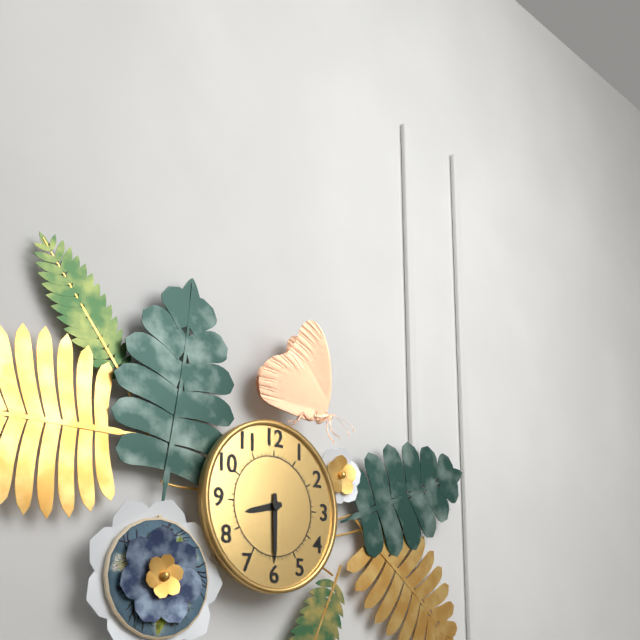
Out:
8 h 30 min
